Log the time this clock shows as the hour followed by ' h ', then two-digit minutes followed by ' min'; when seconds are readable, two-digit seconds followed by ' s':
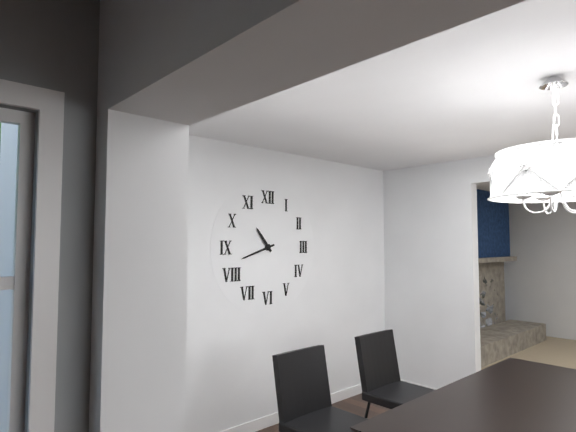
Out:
10 h 42 min
